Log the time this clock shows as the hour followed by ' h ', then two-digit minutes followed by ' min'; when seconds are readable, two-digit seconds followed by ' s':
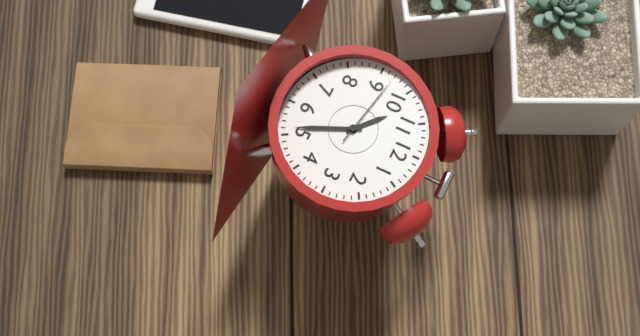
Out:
10 h 26 min 47 s
